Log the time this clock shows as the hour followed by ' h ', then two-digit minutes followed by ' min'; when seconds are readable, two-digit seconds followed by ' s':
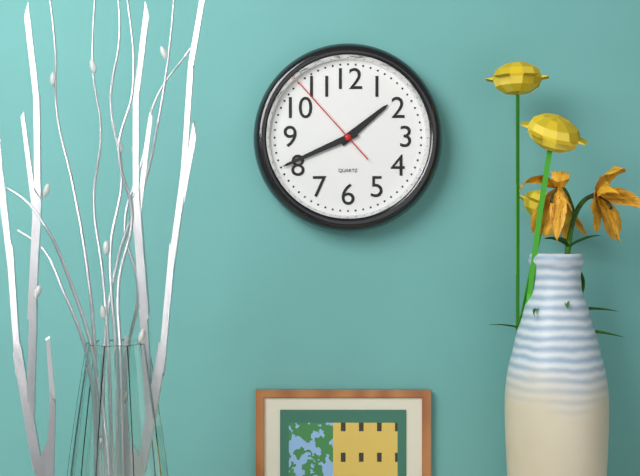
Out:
1 h 41 min 53 s
